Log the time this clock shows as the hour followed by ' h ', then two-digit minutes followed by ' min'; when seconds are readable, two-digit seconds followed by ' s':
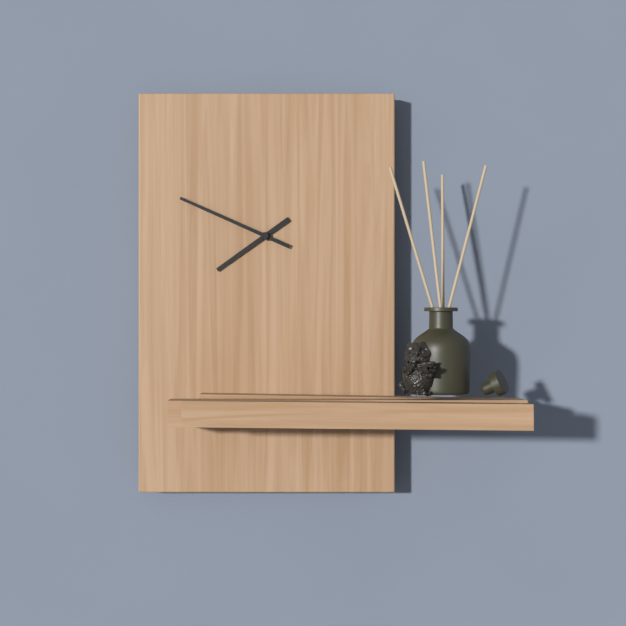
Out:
7 h 49 min
